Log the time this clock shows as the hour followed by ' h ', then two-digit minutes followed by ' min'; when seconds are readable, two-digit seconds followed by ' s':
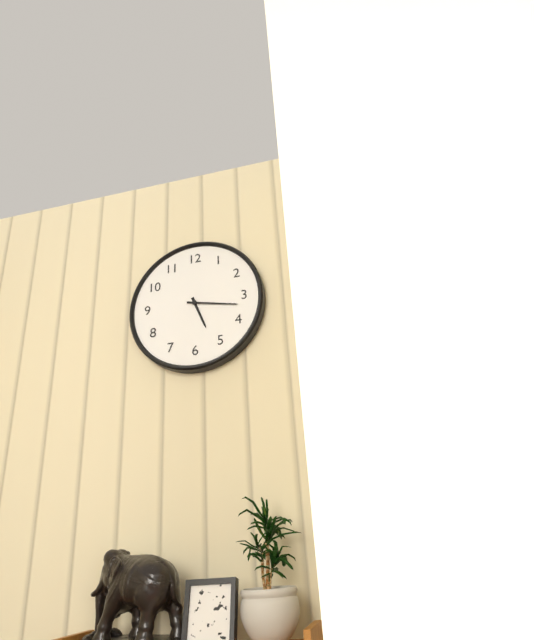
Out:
5 h 17 min
